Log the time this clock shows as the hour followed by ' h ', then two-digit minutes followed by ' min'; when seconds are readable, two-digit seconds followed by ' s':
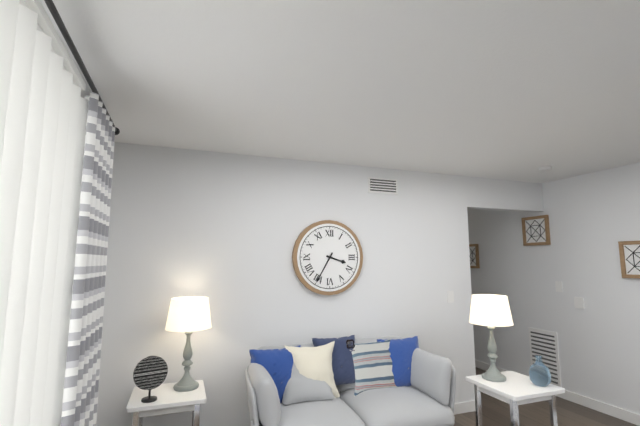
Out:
3 h 35 min
